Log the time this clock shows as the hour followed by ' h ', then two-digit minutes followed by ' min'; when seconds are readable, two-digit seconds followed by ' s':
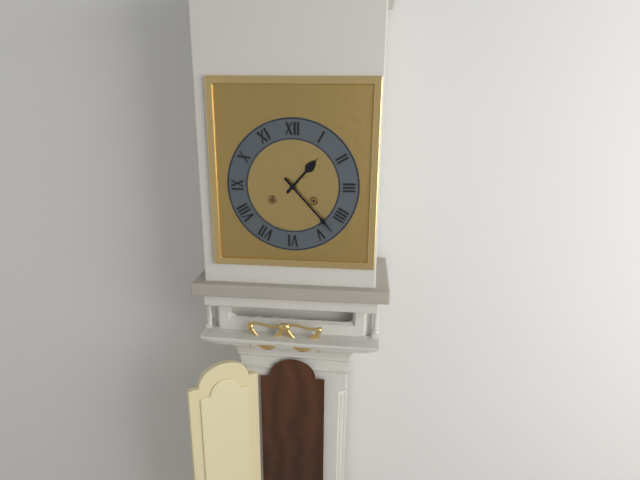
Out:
1 h 23 min
